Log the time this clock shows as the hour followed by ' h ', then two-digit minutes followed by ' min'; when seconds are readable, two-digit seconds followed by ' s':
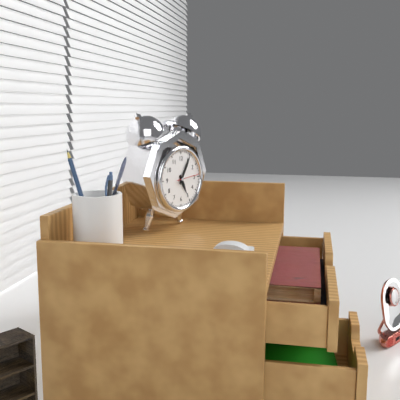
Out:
5 h 05 min
